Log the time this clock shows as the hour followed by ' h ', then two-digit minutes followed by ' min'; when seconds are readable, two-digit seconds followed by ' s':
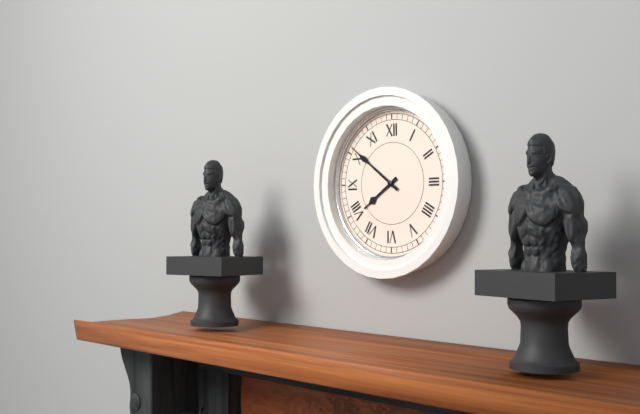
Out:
7 h 51 min
